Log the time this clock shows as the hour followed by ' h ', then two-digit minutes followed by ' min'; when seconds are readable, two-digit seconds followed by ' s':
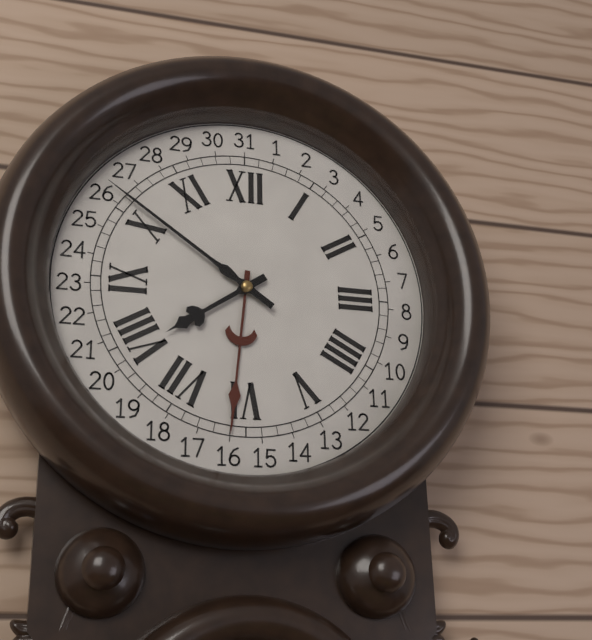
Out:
7 h 51 min
